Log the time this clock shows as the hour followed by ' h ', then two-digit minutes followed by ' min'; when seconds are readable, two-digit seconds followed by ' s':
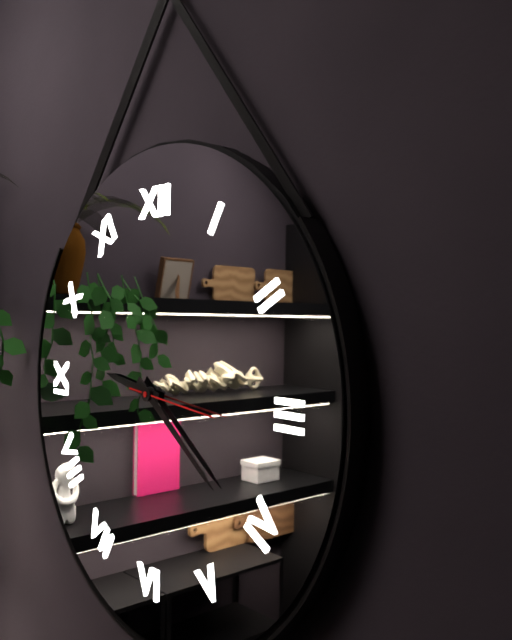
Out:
9 h 21 min 16 s
